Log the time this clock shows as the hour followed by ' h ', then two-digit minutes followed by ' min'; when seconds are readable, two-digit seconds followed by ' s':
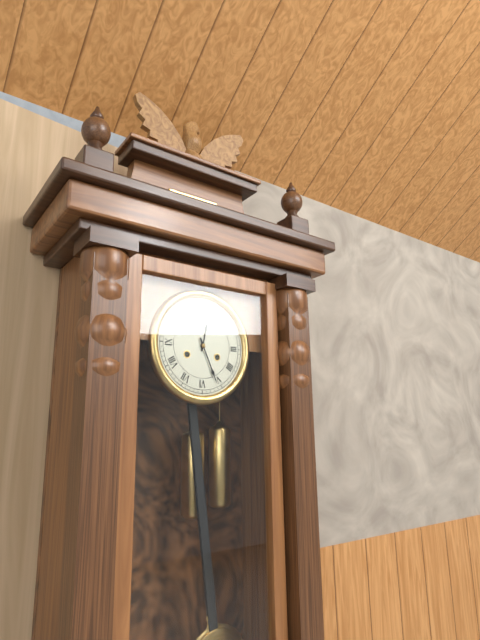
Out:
12 h 26 min
